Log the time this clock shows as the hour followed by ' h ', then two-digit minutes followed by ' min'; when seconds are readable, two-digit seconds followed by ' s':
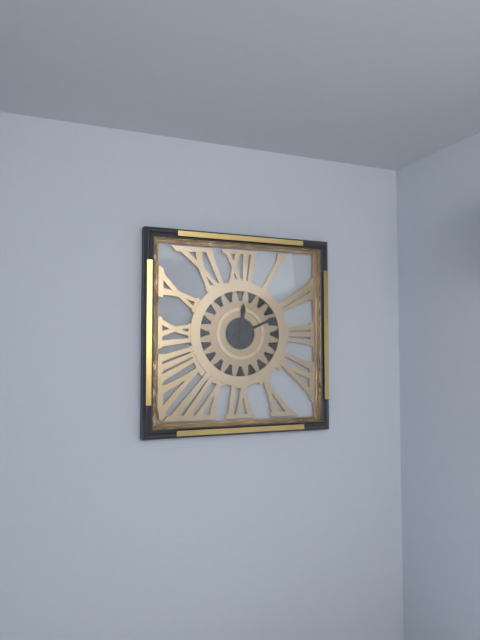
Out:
12 h 11 min
